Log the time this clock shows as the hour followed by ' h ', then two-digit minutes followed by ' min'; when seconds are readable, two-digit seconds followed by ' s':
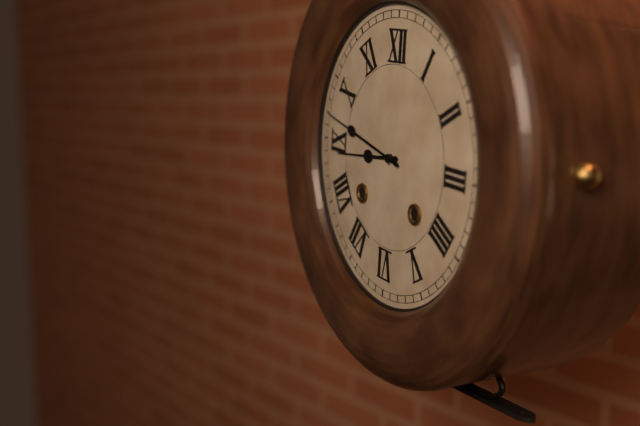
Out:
8 h 47 min
